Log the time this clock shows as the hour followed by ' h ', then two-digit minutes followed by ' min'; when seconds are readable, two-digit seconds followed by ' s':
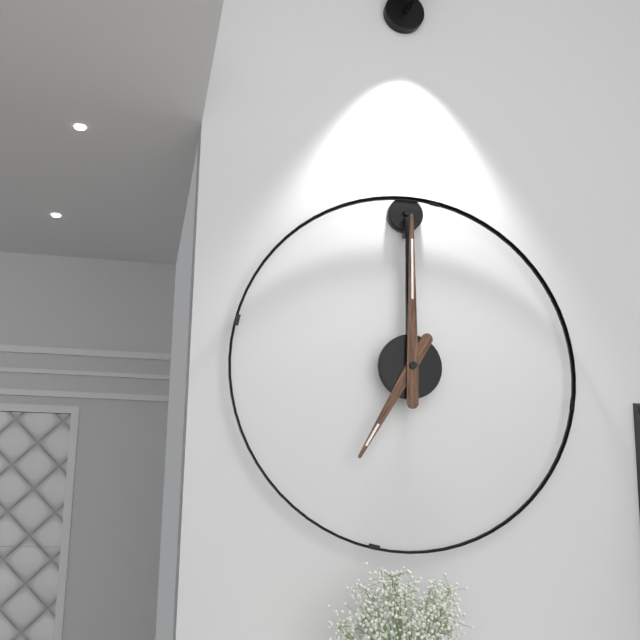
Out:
7 h 00 min
